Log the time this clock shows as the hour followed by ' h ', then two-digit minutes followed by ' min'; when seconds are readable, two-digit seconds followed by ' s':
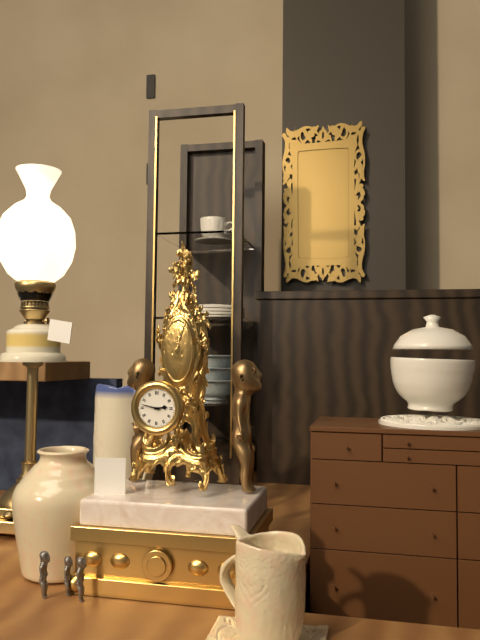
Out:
2 h 47 min
